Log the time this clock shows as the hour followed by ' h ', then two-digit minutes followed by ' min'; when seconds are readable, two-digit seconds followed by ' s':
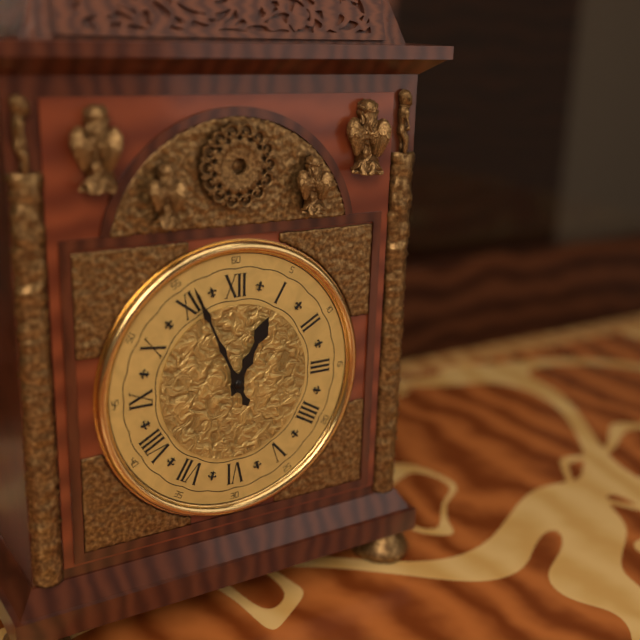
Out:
12 h 56 min
